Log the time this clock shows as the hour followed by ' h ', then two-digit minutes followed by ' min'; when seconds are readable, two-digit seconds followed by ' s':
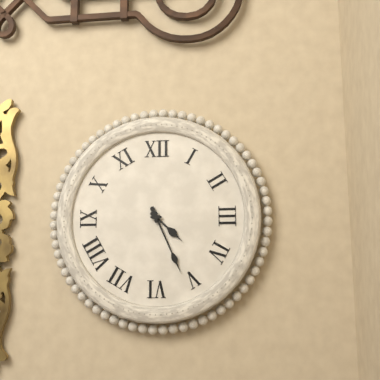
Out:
4 h 26 min
